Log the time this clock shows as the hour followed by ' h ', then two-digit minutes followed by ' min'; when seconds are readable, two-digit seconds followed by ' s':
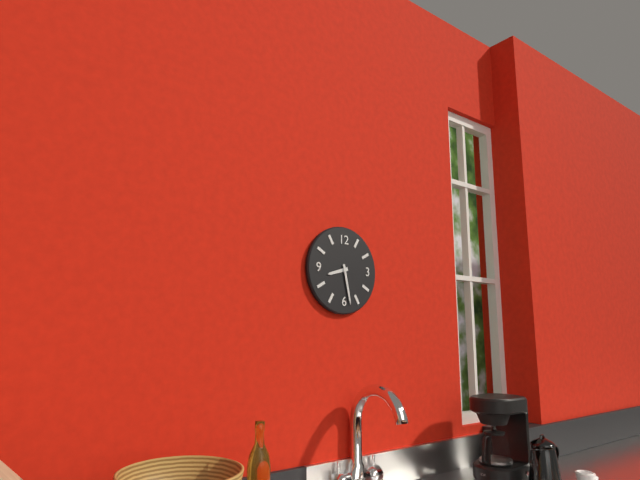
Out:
8 h 28 min
